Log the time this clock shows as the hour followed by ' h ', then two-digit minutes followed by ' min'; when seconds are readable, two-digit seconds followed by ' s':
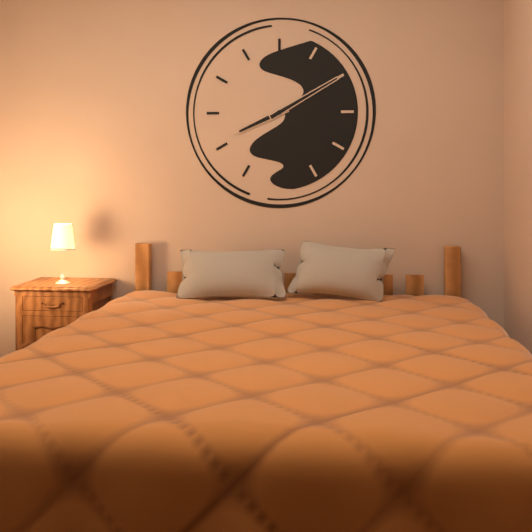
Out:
8 h 10 min
